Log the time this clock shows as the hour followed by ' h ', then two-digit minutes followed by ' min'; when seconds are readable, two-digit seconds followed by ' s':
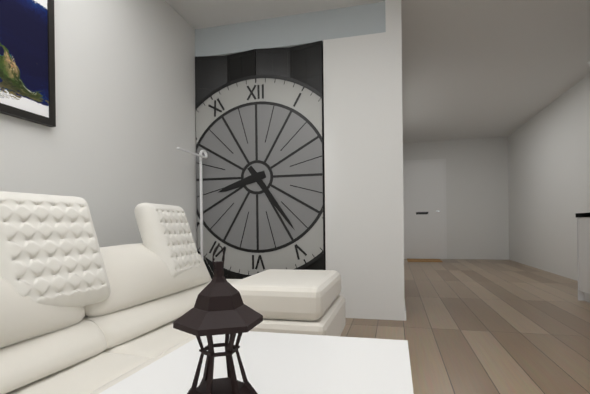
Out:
8 h 24 min
